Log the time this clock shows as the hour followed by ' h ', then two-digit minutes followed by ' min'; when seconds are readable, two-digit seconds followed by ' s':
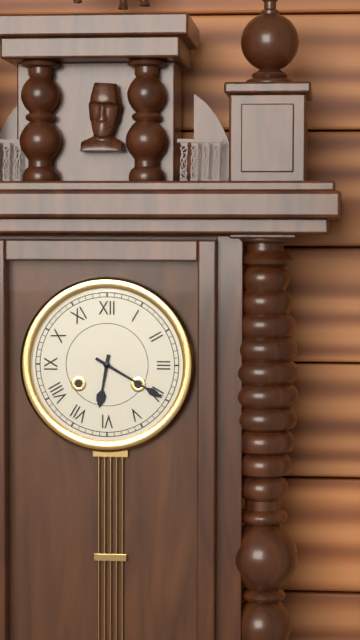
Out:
6 h 20 min
